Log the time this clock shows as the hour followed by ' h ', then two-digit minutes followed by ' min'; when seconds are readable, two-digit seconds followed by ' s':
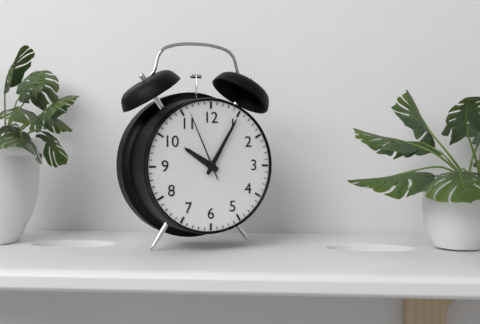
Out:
10 h 05 min 56 s
